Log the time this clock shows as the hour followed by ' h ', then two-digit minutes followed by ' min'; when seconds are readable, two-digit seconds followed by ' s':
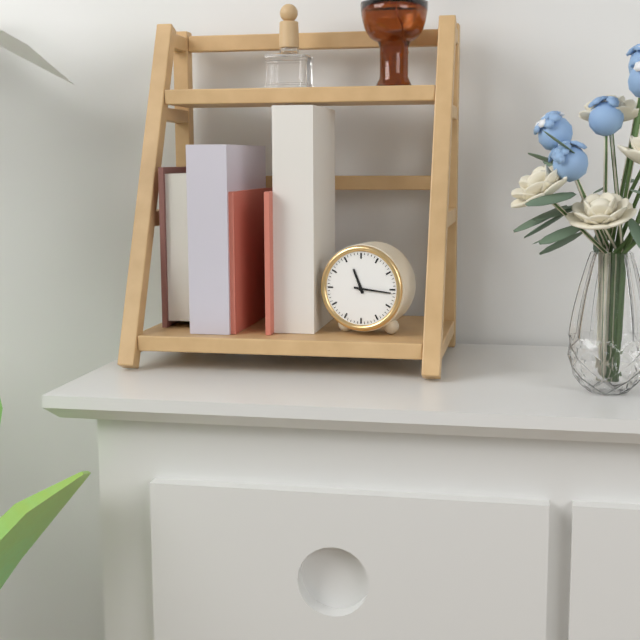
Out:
11 h 16 min
